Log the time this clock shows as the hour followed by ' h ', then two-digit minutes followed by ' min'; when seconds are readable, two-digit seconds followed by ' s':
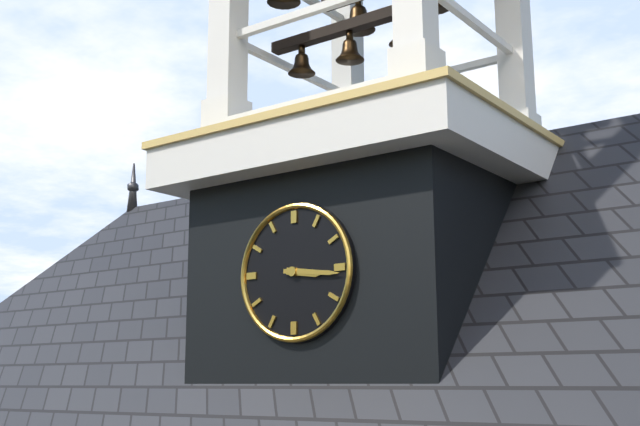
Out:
3 h 16 min
